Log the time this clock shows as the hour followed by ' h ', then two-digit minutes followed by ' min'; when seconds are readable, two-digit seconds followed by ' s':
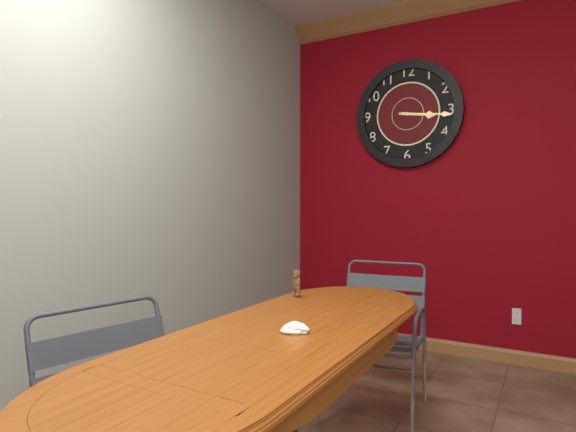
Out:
3 h 16 min
